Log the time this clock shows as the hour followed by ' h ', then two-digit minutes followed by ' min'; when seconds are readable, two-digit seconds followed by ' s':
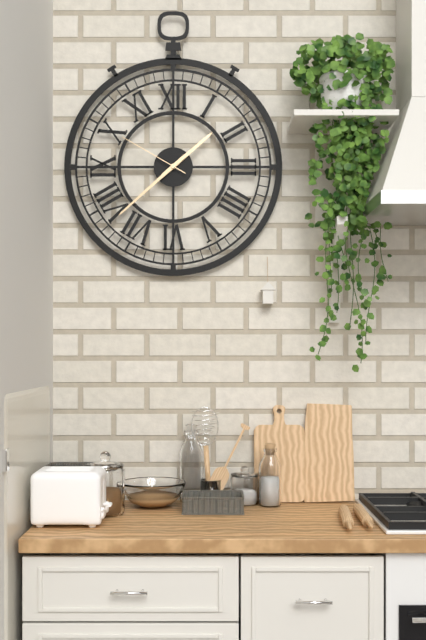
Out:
1 h 38 min 50 s
